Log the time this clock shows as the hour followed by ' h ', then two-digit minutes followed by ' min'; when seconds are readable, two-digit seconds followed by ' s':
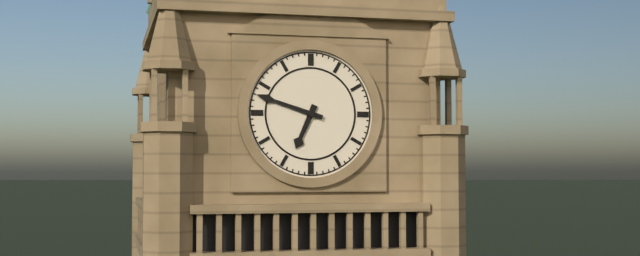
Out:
6 h 48 min
